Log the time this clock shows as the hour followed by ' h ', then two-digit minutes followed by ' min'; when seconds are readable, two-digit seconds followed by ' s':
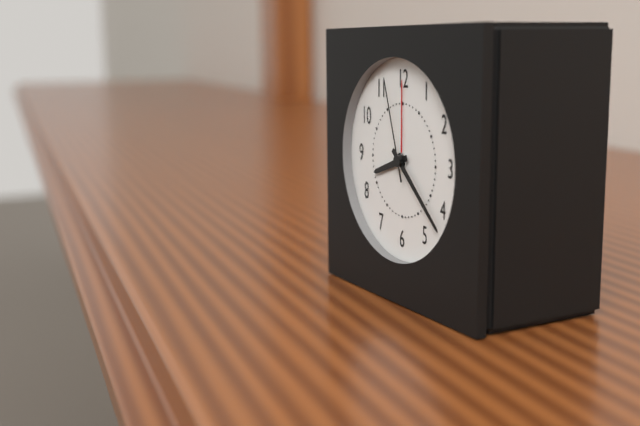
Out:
8 h 22 min 57 s
